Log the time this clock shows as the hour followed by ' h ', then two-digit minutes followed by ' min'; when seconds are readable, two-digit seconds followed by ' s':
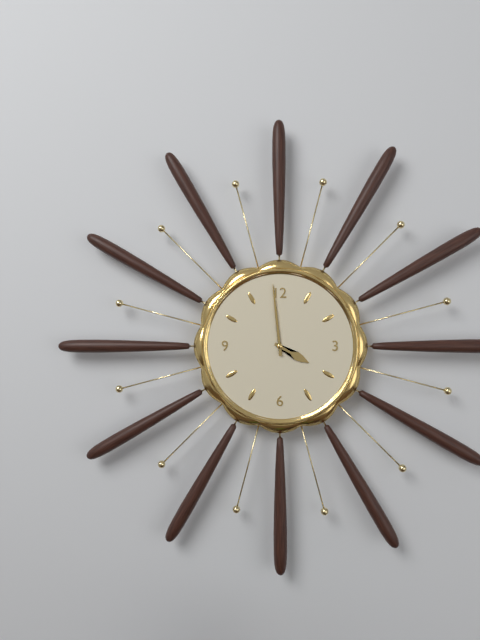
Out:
3 h 59 min
